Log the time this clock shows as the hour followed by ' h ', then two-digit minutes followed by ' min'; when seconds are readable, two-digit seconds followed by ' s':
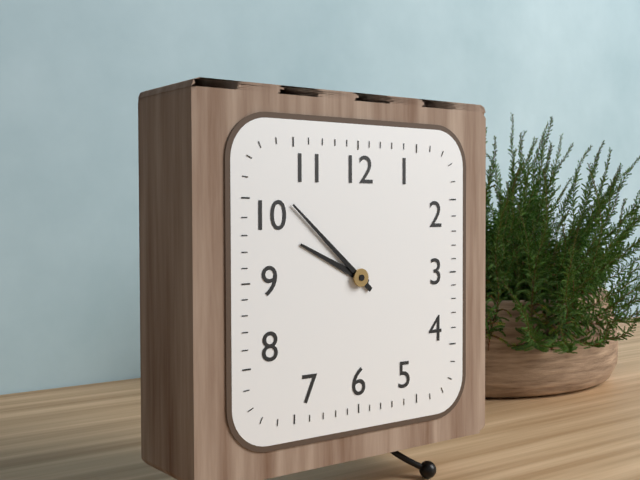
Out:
9 h 52 min
